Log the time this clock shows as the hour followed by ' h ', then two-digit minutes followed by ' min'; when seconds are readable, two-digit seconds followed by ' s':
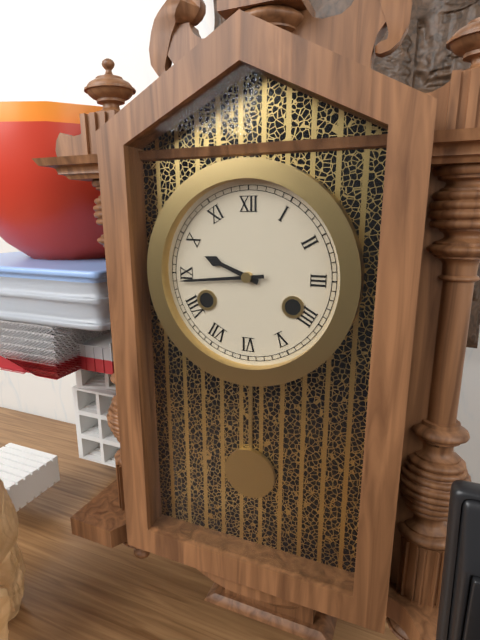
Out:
9 h 44 min
